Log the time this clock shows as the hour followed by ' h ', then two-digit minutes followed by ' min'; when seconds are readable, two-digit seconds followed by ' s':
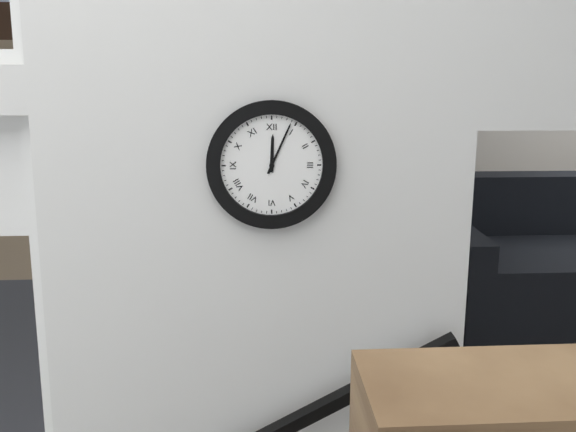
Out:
12 h 04 min
